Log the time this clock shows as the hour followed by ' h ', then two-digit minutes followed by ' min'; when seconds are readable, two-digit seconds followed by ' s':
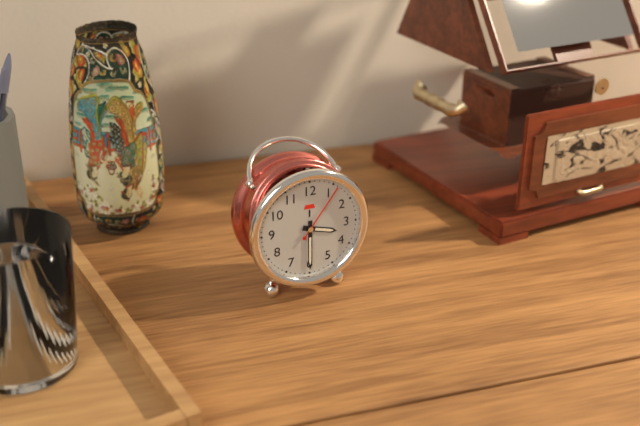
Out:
3 h 30 min 06 s
